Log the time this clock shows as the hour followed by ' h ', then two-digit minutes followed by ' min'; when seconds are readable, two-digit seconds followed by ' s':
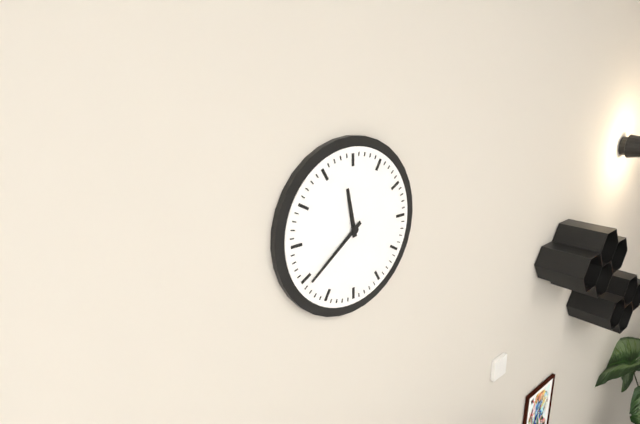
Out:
11 h 39 min
